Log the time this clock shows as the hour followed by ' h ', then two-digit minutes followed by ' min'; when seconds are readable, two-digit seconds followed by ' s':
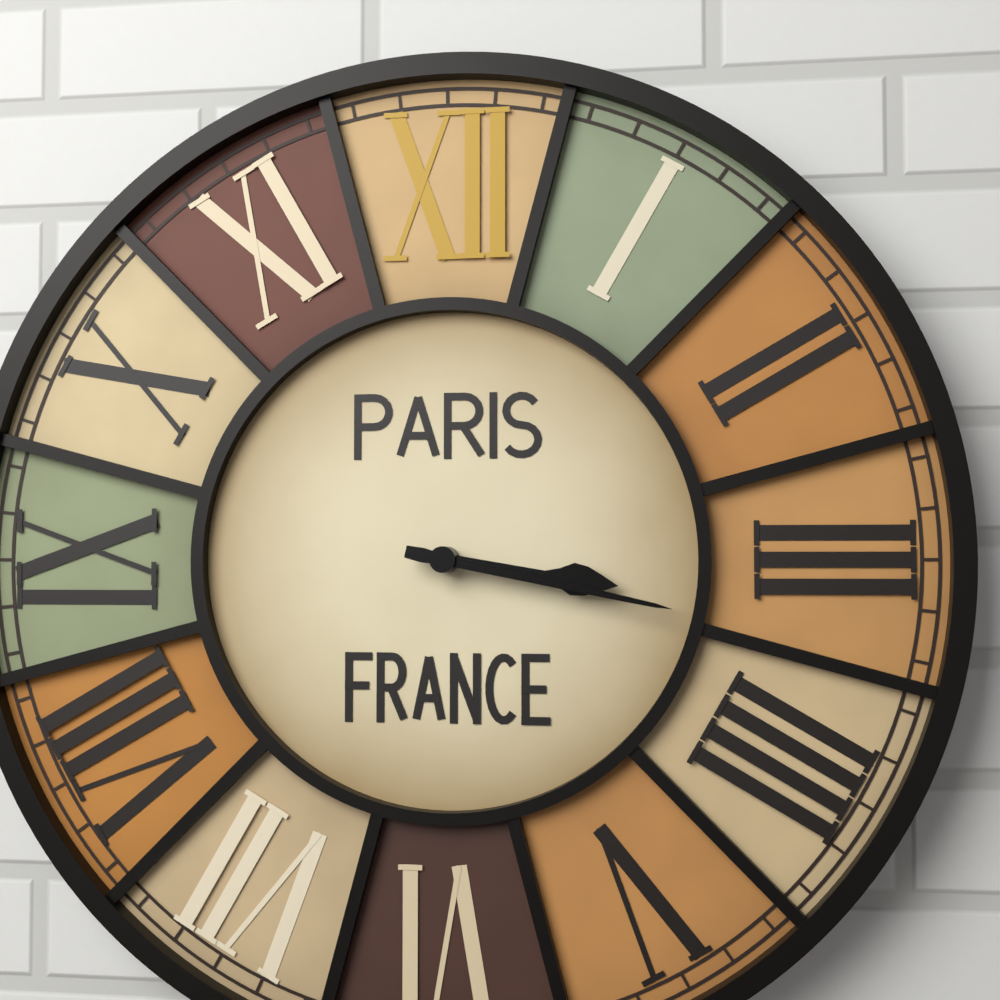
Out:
3 h 17 min
